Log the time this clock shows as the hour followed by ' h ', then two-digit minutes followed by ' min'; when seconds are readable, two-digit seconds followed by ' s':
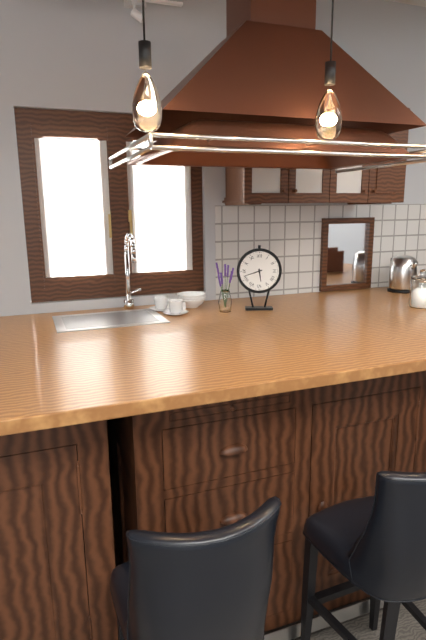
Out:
5 h 42 min
